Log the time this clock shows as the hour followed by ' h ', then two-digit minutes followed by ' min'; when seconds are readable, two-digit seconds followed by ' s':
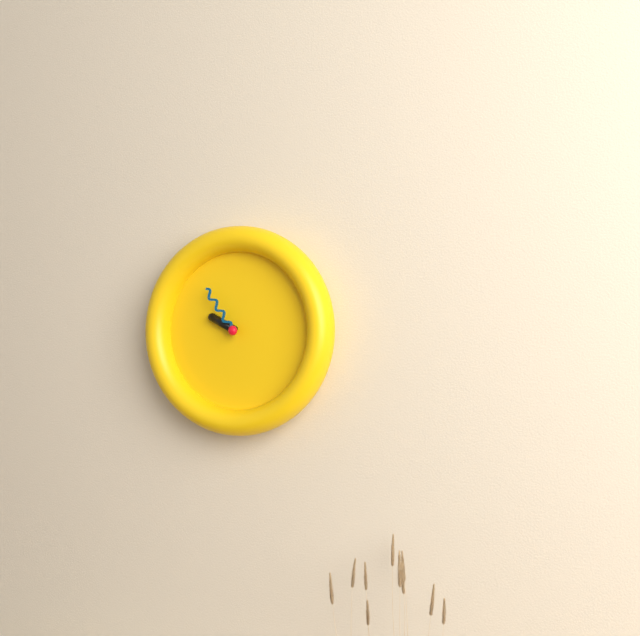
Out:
9 h 54 min
